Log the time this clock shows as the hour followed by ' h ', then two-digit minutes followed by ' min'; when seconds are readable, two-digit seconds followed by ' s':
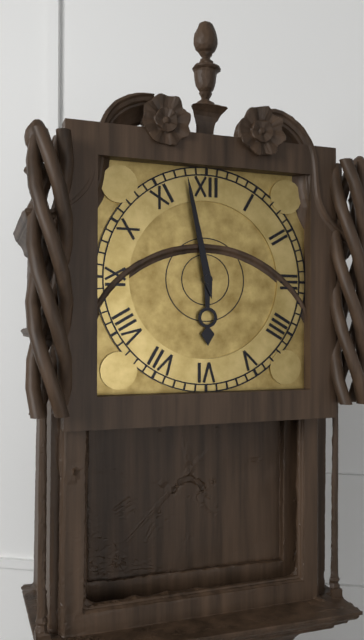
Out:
5 h 58 min
